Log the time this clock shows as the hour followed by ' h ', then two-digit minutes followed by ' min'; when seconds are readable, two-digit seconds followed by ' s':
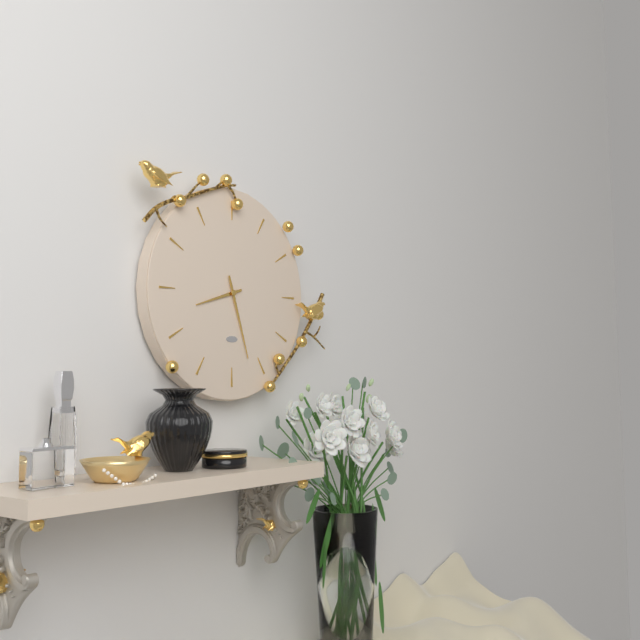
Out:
8 h 27 min
